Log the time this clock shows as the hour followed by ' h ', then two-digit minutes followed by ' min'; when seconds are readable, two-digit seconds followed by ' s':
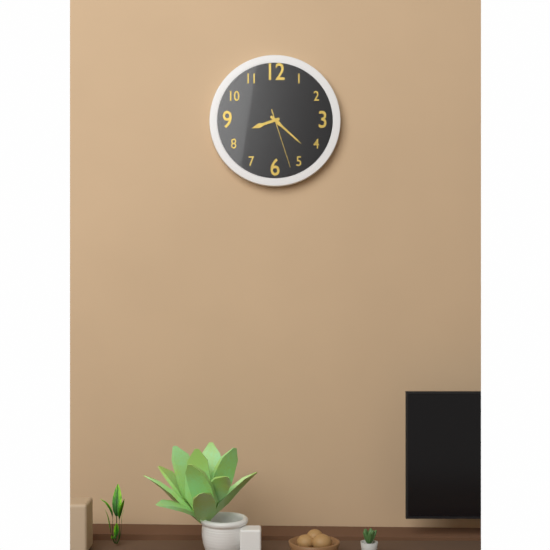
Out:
8 h 22 min 27 s
